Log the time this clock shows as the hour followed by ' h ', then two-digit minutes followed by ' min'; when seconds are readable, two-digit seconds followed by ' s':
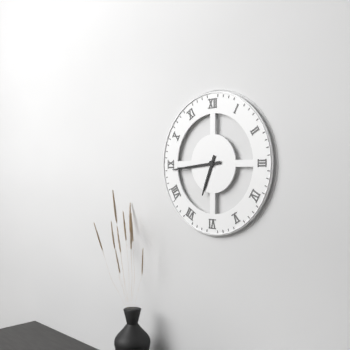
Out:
6 h 44 min
